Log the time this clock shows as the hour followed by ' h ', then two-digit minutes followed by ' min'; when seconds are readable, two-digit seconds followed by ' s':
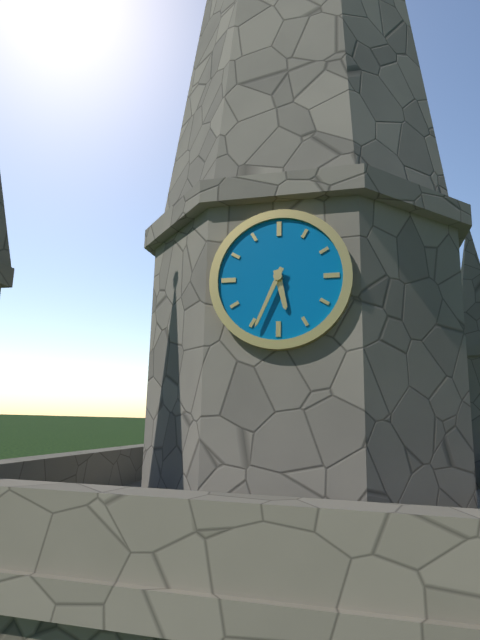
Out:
5 h 34 min
